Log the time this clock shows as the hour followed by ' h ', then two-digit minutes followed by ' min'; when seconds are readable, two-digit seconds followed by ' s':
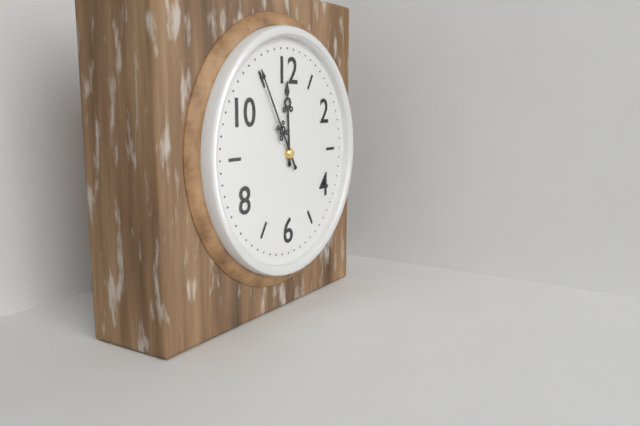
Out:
11 h 55 min
